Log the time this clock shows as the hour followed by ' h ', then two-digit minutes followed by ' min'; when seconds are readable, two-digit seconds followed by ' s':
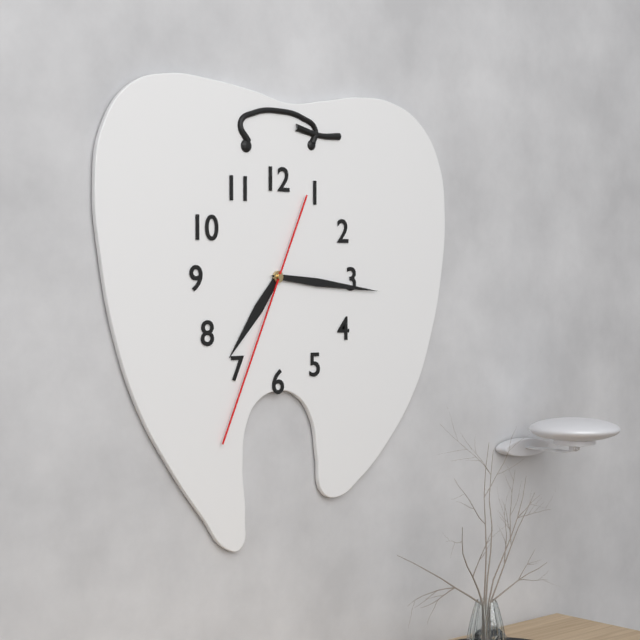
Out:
7 h 16 min 34 s
